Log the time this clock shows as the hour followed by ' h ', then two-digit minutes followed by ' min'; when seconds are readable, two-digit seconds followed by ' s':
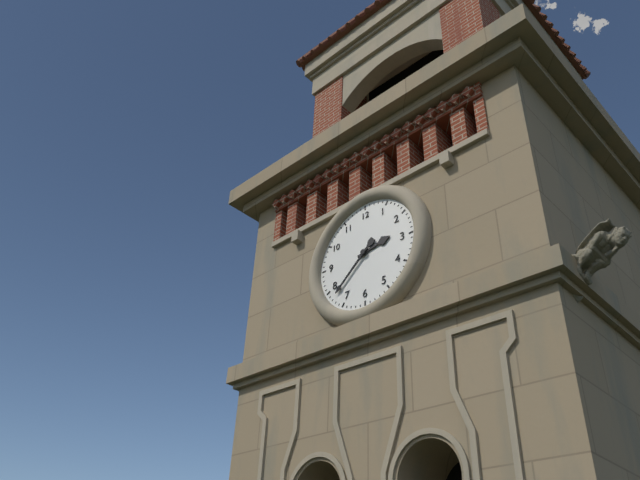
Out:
2 h 38 min
